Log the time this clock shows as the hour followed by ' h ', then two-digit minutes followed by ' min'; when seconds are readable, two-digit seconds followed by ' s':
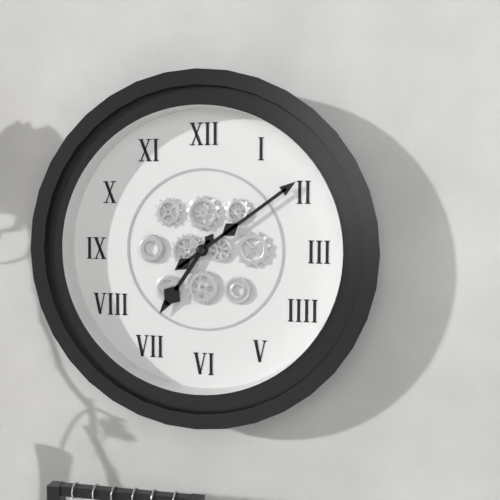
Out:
7 h 09 min
